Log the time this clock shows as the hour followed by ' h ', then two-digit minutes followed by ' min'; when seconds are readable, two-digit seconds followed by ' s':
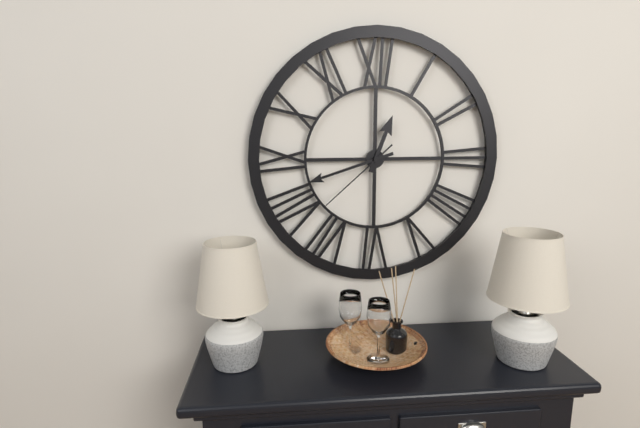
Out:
12 h 42 min 38 s
